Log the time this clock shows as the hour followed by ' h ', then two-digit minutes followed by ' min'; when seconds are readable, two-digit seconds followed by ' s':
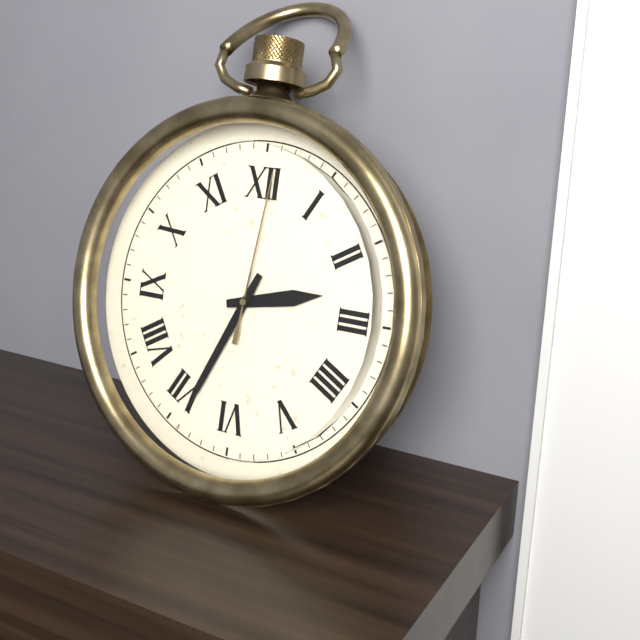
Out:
2 h 34 min 01 s
